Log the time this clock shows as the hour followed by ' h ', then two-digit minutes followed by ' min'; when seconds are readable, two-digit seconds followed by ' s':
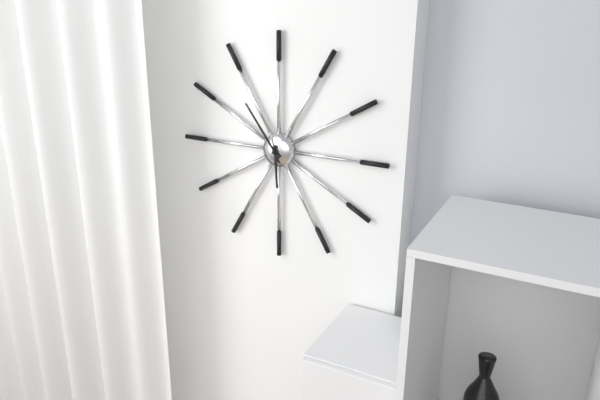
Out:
5 h 54 min
